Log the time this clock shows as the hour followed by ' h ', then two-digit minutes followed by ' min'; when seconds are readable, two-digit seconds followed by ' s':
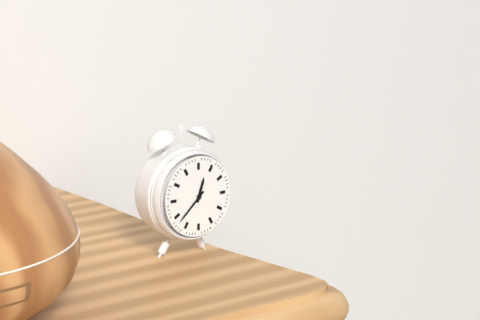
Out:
12 h 38 min
